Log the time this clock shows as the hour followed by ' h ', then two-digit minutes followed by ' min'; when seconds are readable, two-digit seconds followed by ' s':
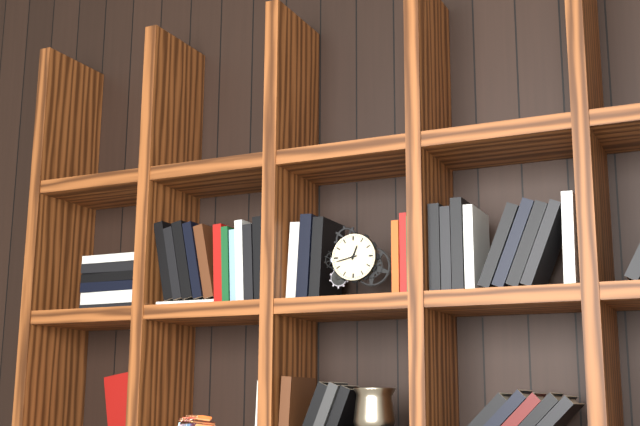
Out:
12 h 43 min
